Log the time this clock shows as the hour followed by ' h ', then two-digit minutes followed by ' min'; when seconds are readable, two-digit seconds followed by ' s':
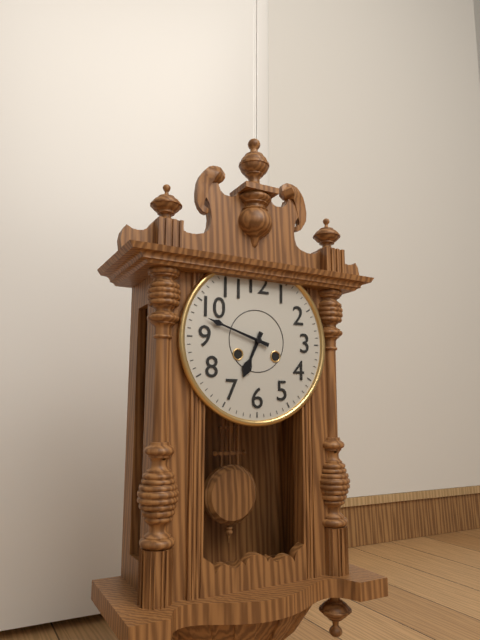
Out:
6 h 48 min
